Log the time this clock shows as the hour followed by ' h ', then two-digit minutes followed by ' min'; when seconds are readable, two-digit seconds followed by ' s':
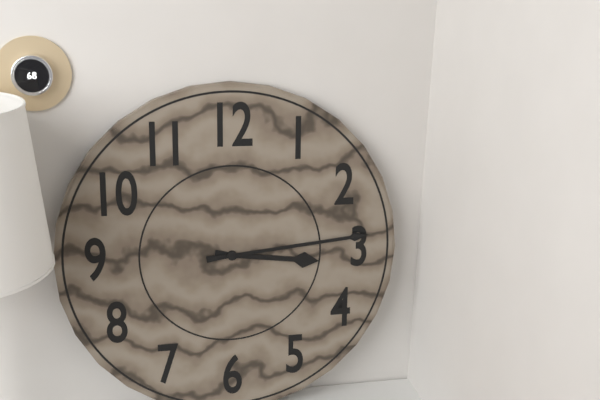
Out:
3 h 14 min
